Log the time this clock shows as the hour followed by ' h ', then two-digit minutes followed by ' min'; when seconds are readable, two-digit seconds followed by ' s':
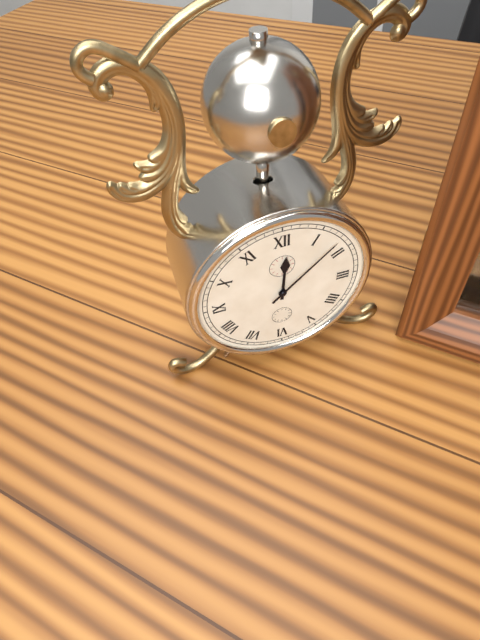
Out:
12 h 08 min
